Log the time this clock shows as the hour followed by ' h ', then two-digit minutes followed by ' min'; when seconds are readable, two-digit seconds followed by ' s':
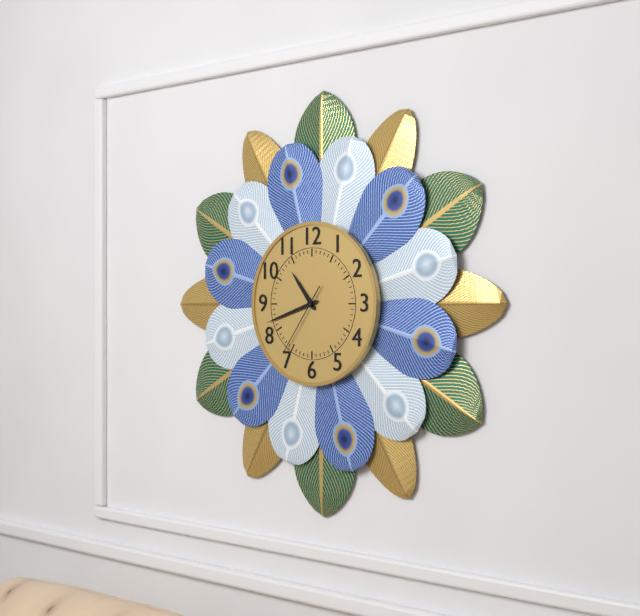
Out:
10 h 42 min 36 s
